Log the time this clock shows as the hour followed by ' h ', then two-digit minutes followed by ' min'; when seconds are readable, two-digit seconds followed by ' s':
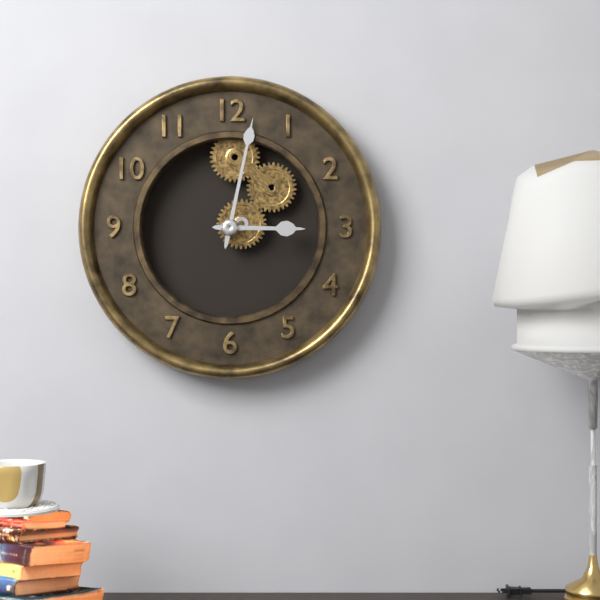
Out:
3 h 02 min
